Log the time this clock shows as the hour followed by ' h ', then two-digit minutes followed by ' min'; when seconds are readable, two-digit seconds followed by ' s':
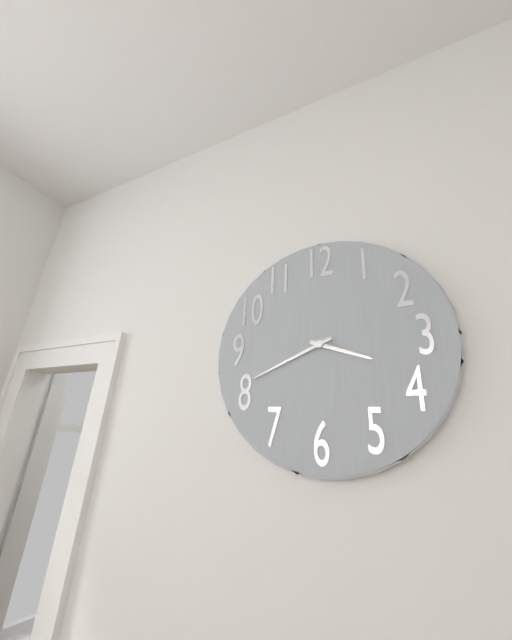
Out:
3 h 41 min
